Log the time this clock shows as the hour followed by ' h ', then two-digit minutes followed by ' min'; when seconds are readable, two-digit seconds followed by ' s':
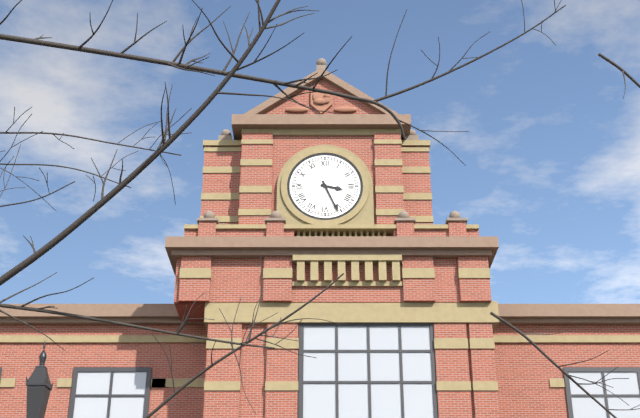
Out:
3 h 26 min
